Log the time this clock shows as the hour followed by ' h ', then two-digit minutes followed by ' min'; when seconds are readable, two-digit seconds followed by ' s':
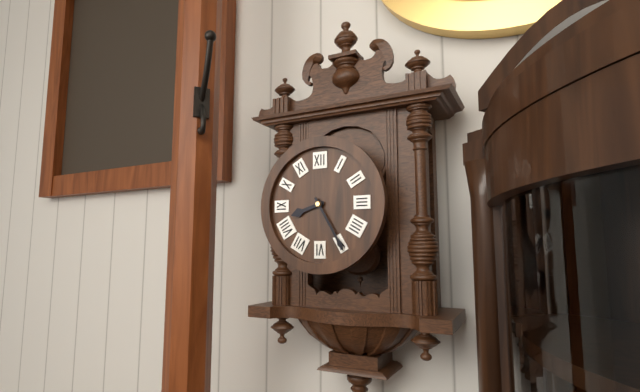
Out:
8 h 25 min
